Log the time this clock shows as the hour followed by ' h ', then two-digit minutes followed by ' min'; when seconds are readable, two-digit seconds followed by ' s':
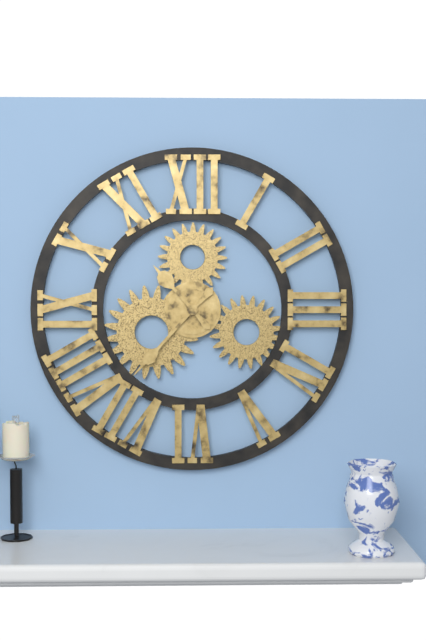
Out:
10 h 37 min
